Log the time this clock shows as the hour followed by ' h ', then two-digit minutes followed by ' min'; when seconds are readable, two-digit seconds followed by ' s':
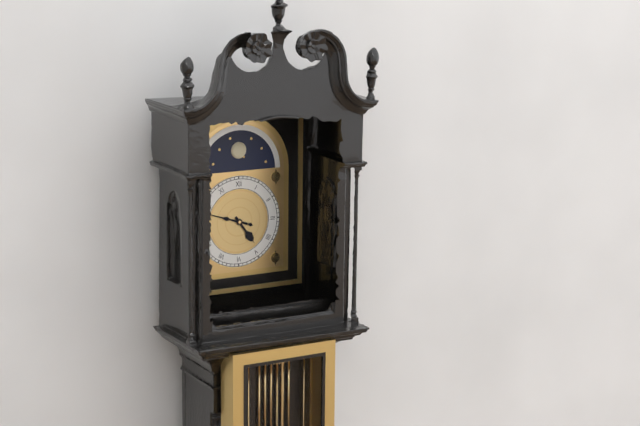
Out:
4 h 48 min
